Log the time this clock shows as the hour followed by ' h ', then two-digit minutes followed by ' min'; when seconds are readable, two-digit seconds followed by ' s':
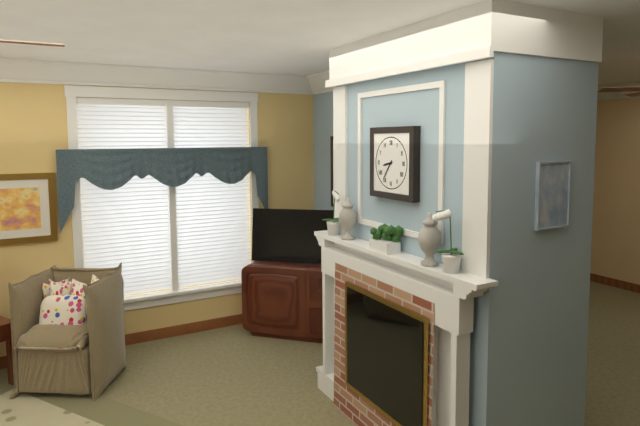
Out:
8 h 36 min
